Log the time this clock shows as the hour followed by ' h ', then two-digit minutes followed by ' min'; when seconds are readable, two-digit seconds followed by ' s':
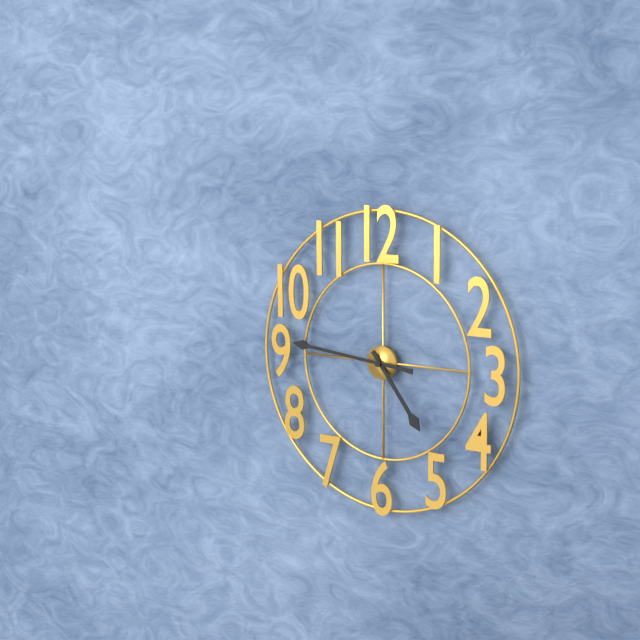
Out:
4 h 46 min
